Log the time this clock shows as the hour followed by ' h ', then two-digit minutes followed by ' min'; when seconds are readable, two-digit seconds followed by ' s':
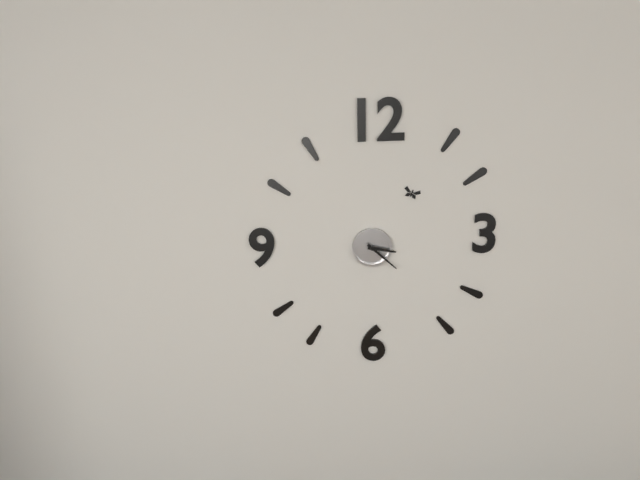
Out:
3 h 22 min
